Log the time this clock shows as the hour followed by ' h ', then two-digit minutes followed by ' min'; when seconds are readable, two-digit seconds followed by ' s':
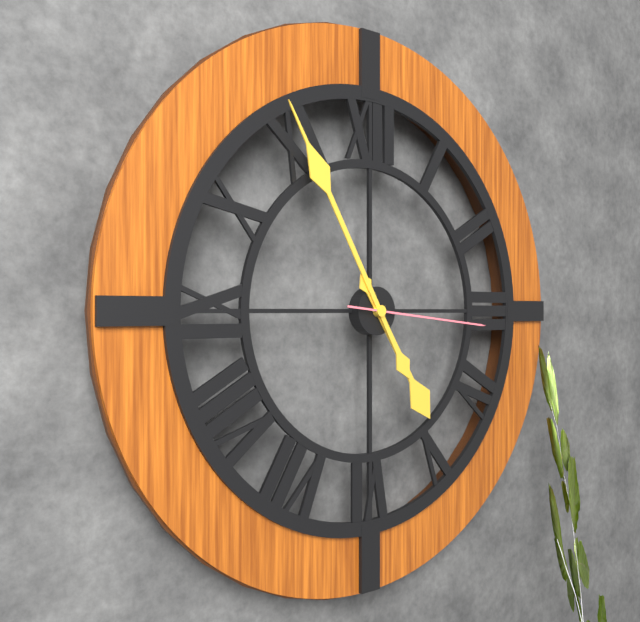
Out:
4 h 55 min 16 s
